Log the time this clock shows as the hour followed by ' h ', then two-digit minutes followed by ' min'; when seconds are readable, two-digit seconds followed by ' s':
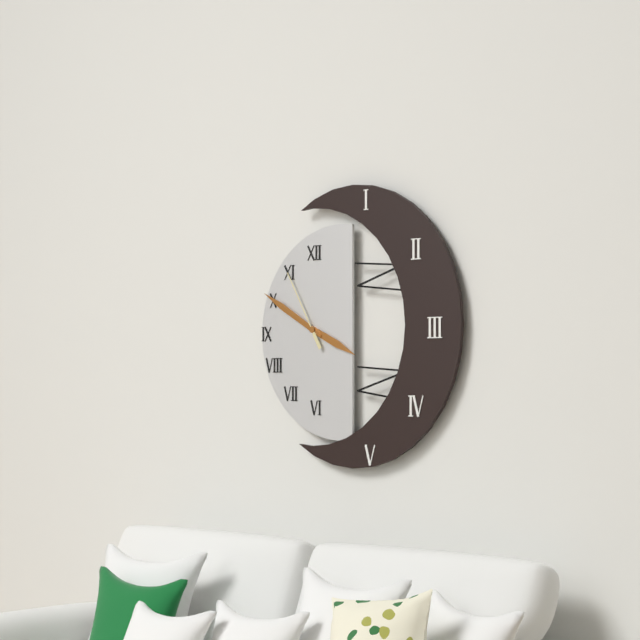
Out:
3 h 50 min 55 s
